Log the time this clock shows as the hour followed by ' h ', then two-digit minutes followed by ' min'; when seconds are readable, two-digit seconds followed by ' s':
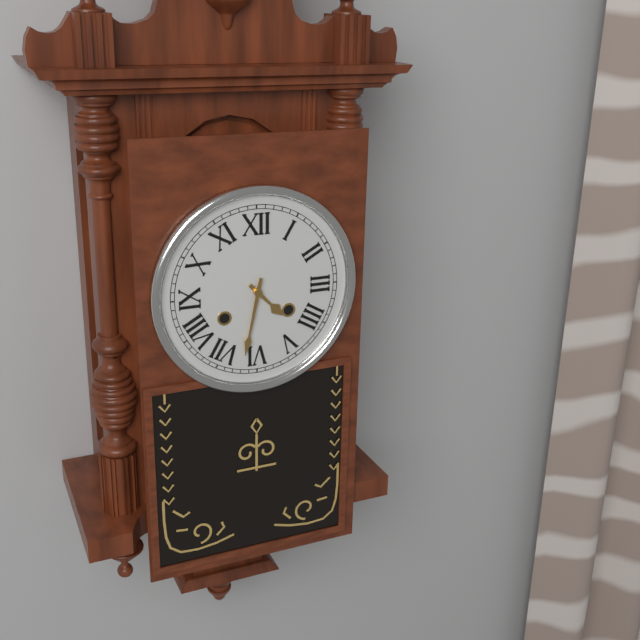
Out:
4 h 32 min
